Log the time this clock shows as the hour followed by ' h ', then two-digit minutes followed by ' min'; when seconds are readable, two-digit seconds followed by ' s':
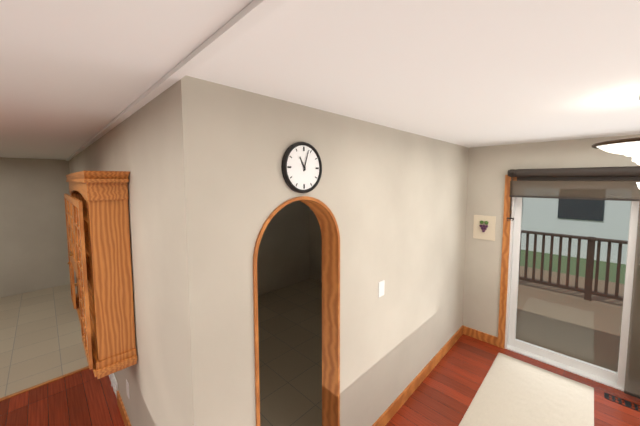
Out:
11 h 03 min
